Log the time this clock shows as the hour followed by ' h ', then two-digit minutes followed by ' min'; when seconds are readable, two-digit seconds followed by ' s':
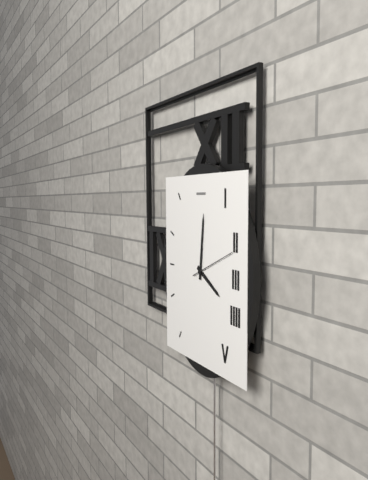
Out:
4 h 01 min 11 s
